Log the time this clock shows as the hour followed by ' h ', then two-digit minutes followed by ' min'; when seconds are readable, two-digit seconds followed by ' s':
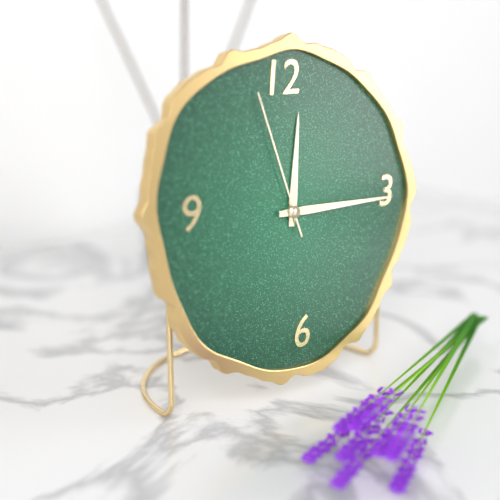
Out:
12 h 15 min 57 s
